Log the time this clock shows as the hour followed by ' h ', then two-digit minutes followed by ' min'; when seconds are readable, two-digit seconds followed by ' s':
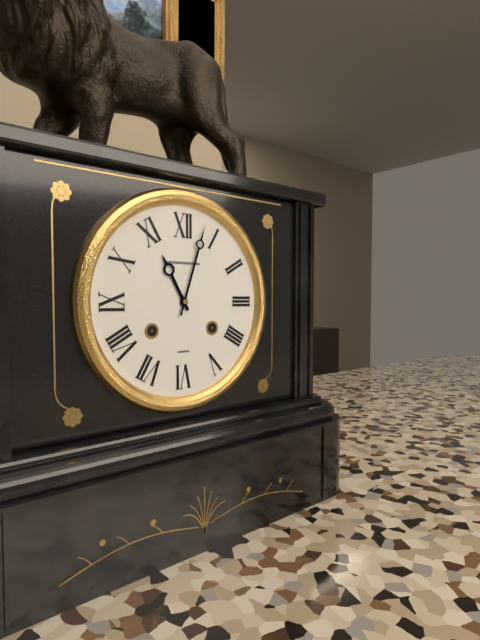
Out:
11 h 03 min
